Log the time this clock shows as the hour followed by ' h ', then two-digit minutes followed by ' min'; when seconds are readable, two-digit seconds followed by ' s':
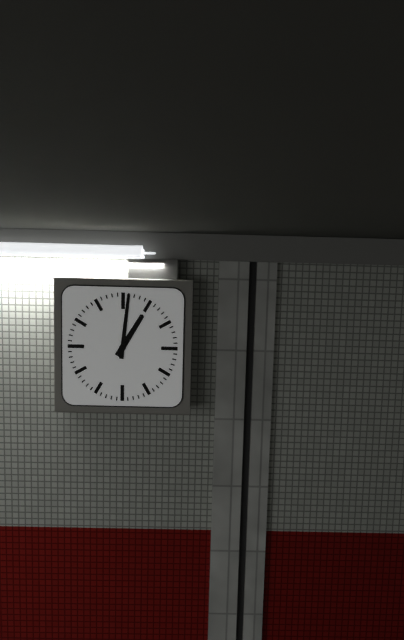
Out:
1 h 01 min
